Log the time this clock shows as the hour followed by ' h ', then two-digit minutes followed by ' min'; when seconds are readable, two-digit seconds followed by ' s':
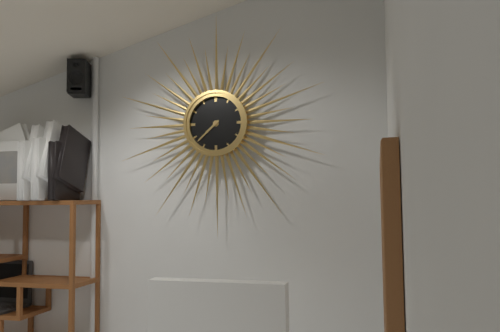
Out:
7 h 38 min
